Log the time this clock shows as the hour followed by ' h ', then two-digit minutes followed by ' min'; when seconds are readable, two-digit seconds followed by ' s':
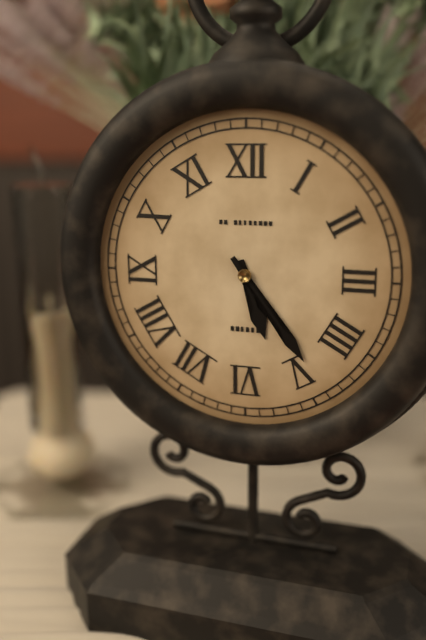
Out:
5 h 24 min
